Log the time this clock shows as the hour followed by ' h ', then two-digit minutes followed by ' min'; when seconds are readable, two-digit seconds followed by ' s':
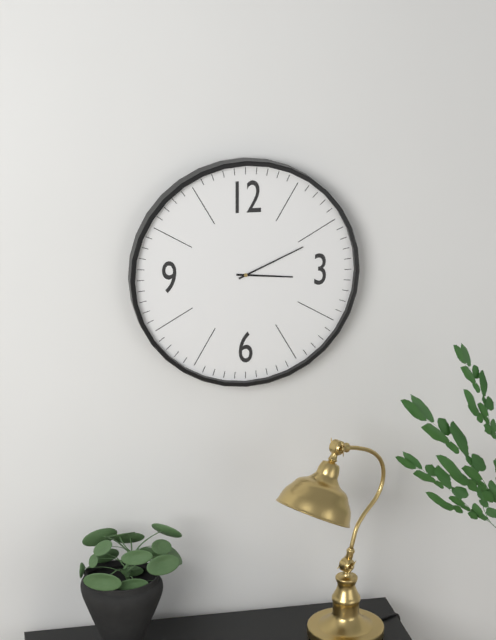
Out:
3 h 11 min
